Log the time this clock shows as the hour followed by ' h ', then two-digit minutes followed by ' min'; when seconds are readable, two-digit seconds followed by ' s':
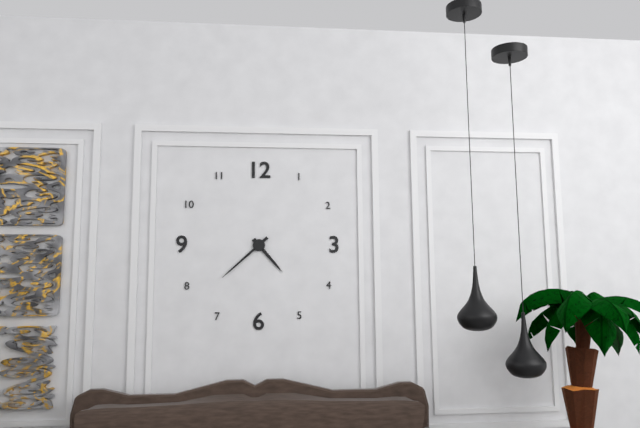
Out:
4 h 38 min
